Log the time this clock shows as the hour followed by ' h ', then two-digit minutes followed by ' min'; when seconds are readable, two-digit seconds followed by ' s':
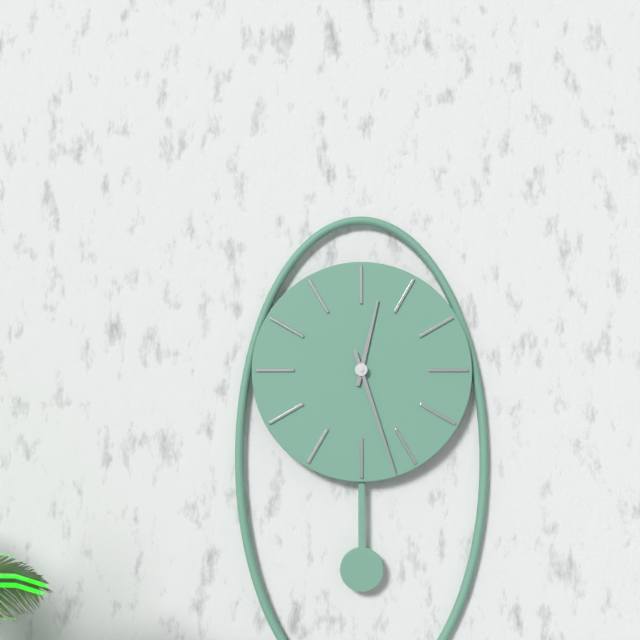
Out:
12 h 27 min
